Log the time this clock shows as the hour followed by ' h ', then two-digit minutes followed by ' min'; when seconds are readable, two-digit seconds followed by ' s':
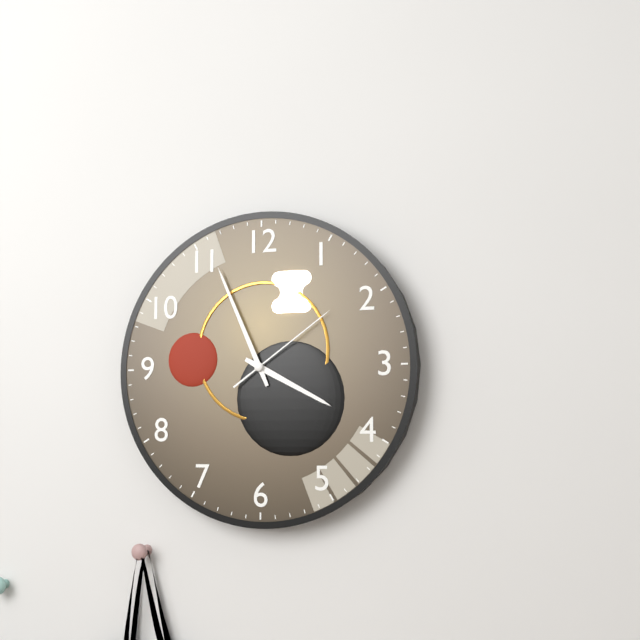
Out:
3 h 56 min 09 s
